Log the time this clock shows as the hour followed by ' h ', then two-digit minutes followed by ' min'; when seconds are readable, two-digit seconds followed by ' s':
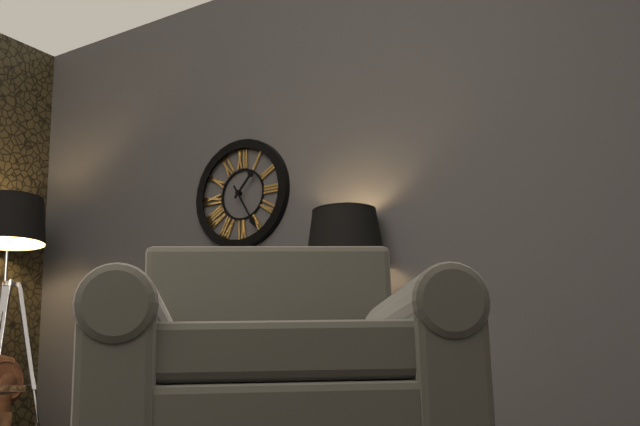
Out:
1 h 25 min
